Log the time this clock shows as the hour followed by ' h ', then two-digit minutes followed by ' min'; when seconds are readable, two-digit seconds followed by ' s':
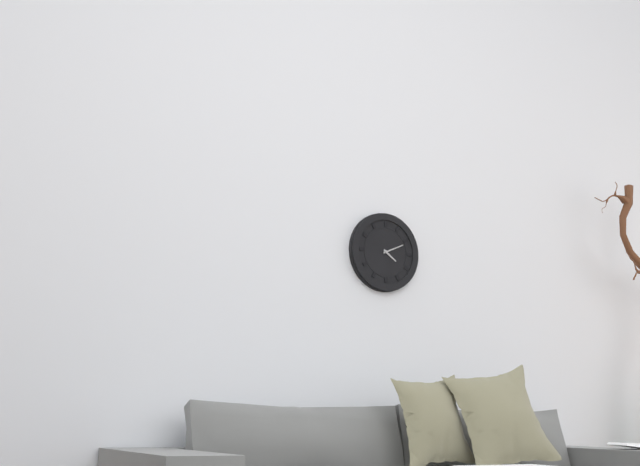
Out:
4 h 11 min
